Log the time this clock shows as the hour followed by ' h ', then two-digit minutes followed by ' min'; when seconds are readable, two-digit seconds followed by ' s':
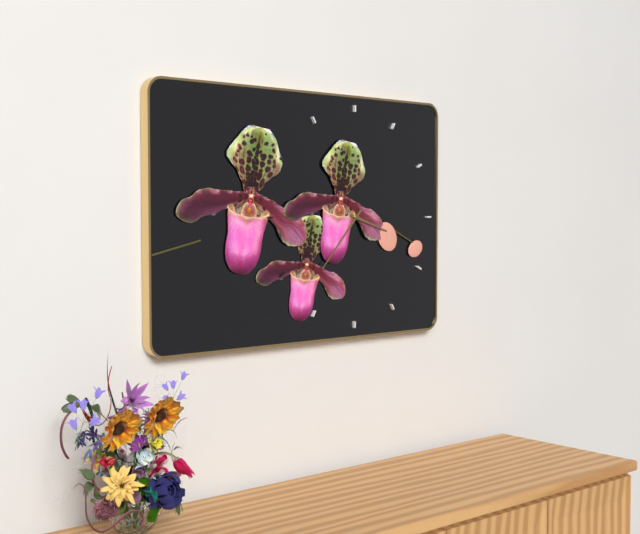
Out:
3 h 37 min
